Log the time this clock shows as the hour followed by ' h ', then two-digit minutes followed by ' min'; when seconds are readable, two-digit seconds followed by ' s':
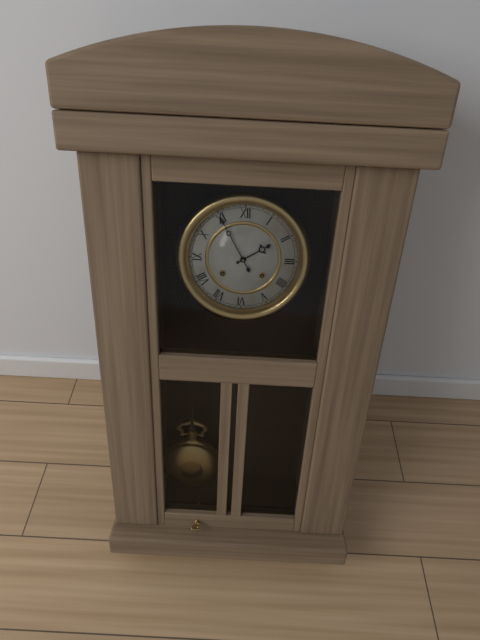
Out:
1 h 55 min
